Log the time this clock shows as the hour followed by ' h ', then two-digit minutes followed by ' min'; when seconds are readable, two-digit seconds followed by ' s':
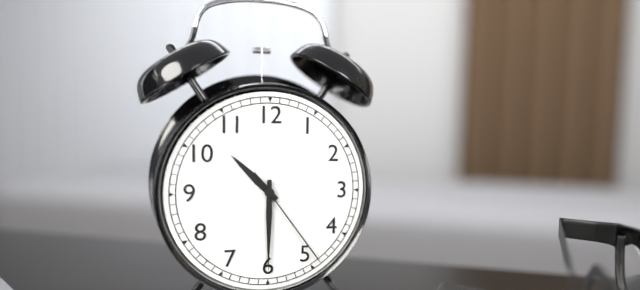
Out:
10 h 30 min 24 s
